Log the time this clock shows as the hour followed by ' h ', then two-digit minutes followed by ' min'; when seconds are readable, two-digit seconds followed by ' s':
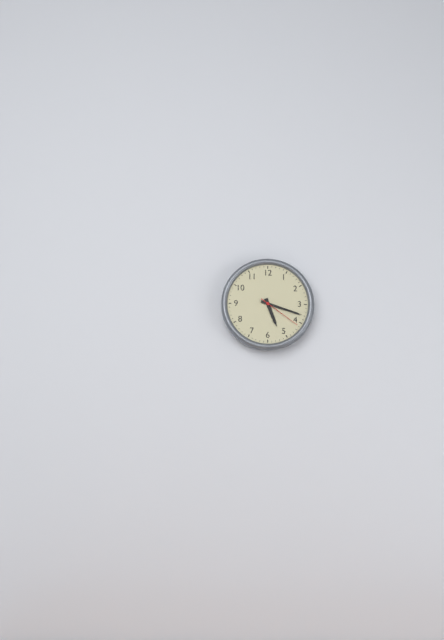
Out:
5 h 18 min
